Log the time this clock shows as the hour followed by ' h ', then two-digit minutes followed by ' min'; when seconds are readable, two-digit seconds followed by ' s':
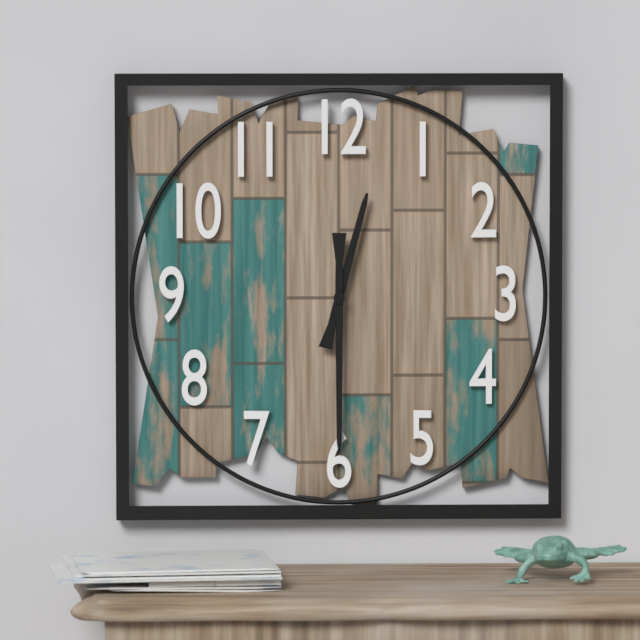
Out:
12 h 30 min
